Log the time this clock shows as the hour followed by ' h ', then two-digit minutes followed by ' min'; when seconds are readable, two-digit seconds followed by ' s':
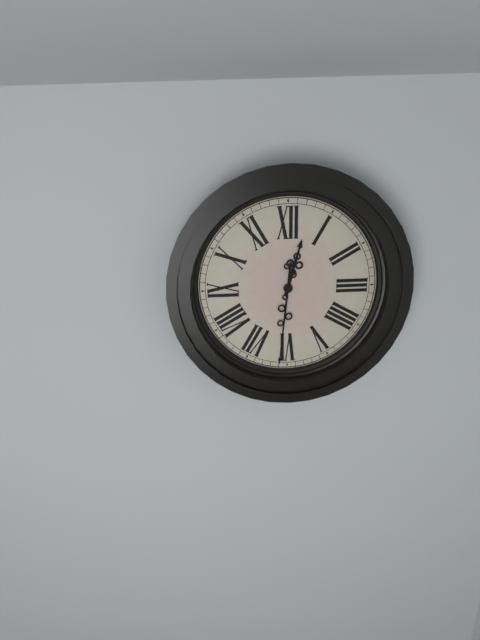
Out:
12 h 31 min
